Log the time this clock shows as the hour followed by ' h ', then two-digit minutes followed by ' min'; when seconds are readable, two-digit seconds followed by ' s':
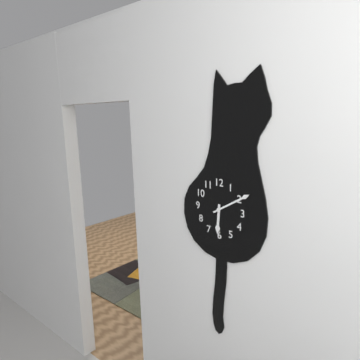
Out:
6 h 10 min
